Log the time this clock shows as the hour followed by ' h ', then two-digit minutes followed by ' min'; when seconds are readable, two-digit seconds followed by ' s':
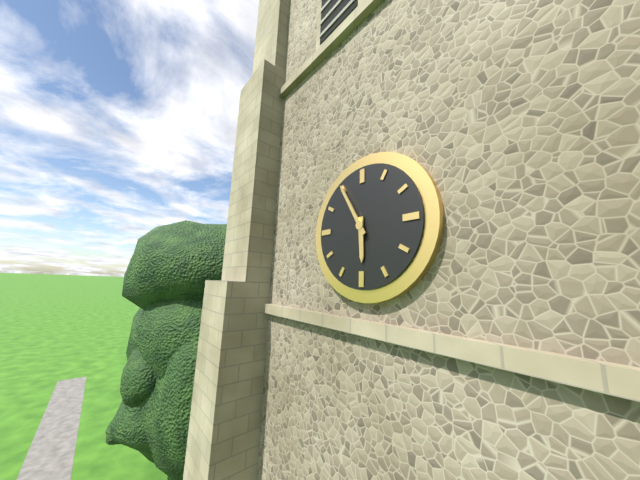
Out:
5 h 55 min
